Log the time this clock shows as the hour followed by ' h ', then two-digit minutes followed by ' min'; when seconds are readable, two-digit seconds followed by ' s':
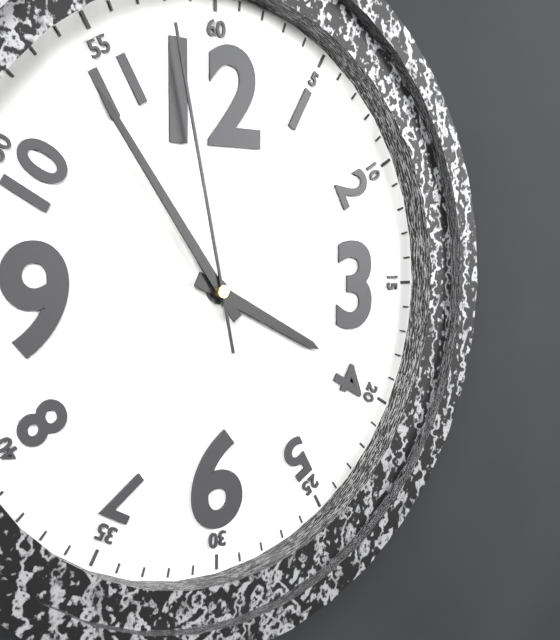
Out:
3 h 54 min 58 s
